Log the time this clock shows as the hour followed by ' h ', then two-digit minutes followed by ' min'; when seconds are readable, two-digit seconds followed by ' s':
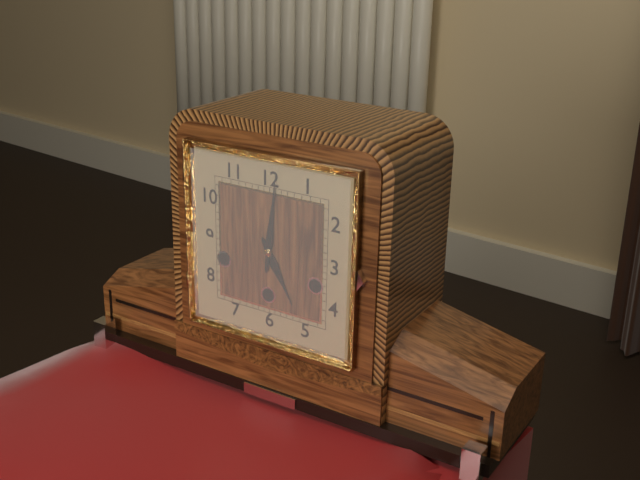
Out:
5 h 01 min
